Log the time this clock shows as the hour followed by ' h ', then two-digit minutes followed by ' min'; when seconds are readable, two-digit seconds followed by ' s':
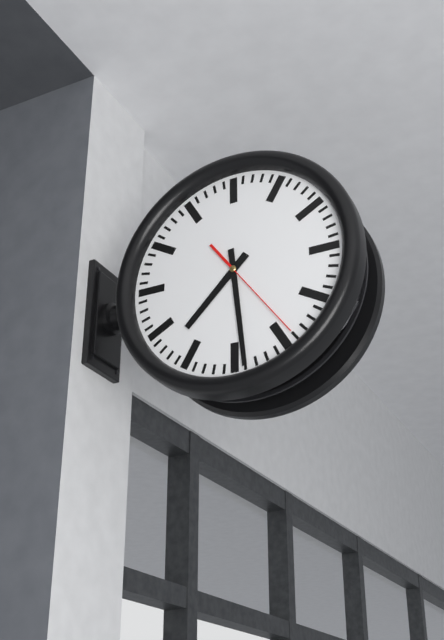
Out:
7 h 29 min 24 s
